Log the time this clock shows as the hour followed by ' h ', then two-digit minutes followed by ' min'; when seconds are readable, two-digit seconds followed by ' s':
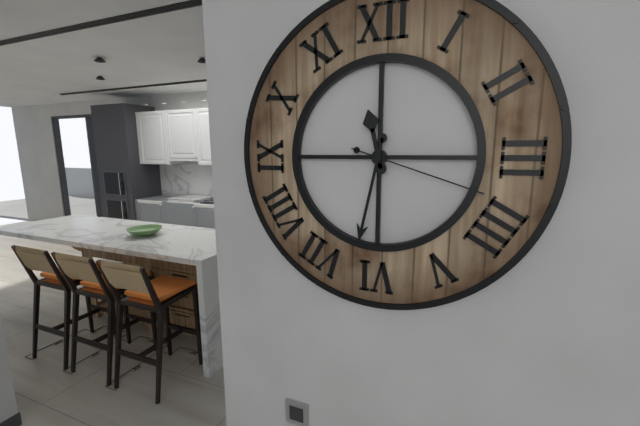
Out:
11 h 32 min 18 s
